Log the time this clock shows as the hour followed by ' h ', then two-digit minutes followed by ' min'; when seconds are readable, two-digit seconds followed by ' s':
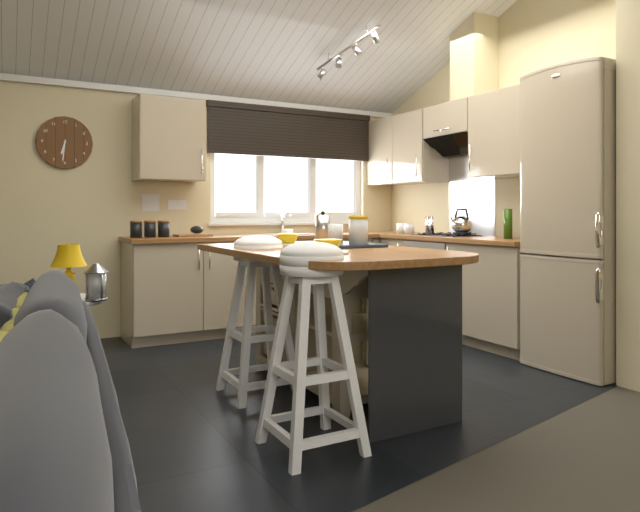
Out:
6 h 31 min
